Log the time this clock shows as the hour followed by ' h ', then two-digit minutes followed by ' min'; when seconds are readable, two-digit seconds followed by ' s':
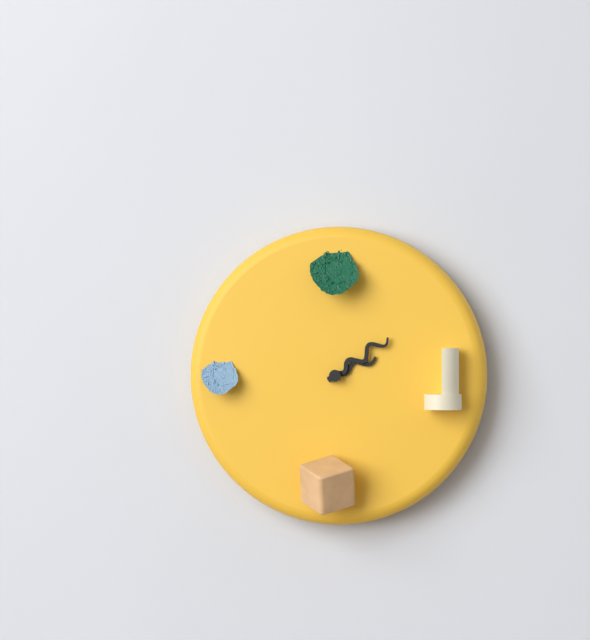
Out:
2 h 09 min
